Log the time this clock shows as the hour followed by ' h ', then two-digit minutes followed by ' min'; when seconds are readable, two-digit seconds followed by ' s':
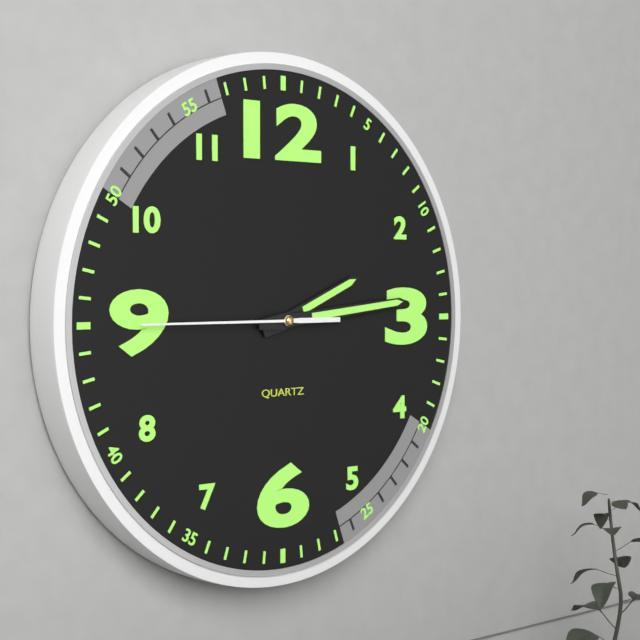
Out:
2 h 14 min 45 s
